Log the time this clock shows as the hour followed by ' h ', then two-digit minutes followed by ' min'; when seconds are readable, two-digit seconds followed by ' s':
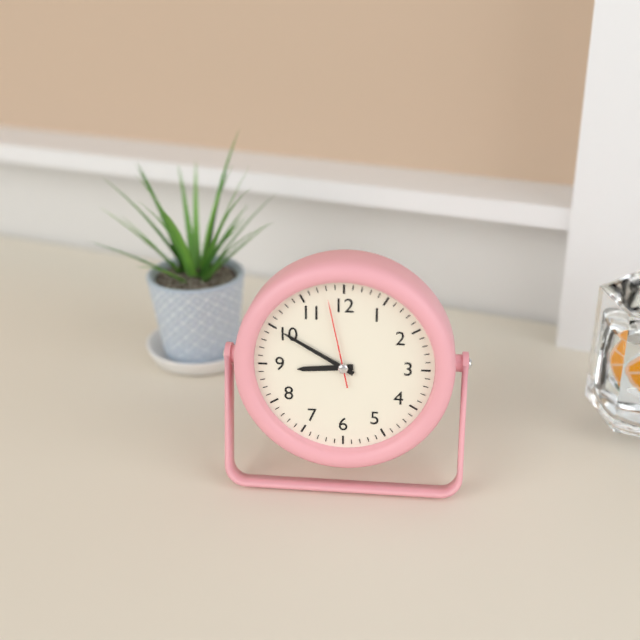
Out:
8 h 50 min 58 s
